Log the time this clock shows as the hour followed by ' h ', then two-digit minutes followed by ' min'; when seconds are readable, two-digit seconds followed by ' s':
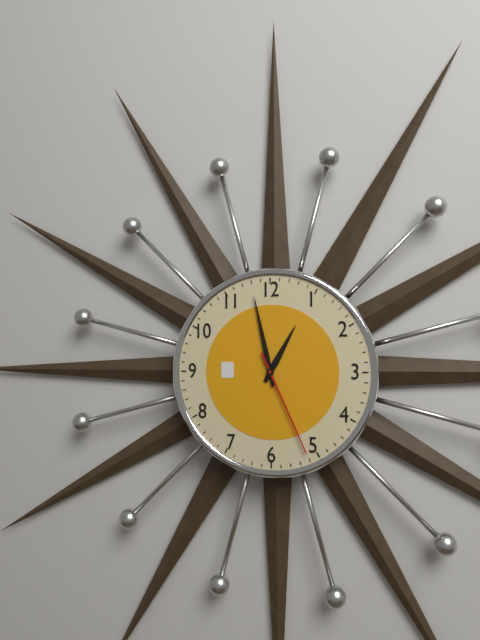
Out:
12 h 58 min 26 s
